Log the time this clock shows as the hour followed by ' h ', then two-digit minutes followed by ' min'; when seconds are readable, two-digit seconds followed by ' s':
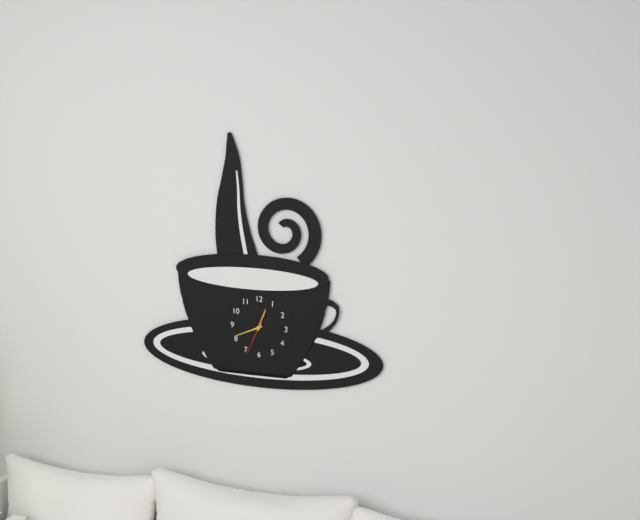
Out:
12 h 41 min
